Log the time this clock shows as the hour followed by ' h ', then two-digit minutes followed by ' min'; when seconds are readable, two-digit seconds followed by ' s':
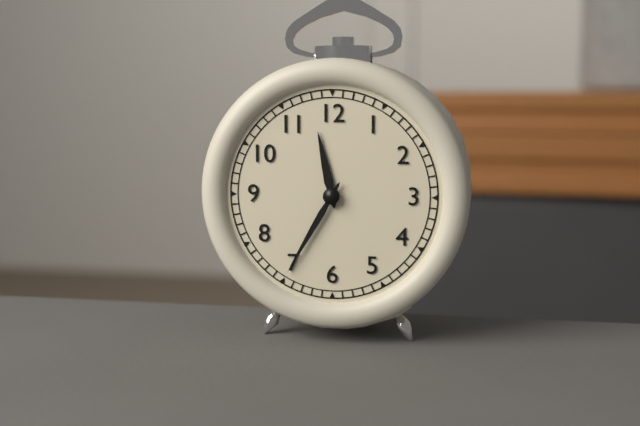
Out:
11 h 35 min
